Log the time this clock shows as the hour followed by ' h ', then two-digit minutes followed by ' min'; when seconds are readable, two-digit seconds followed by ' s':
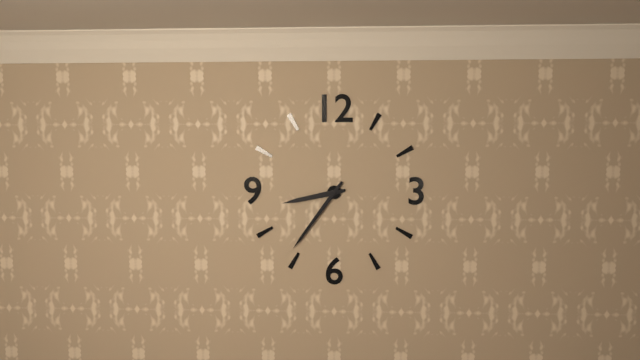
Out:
8 h 36 min
